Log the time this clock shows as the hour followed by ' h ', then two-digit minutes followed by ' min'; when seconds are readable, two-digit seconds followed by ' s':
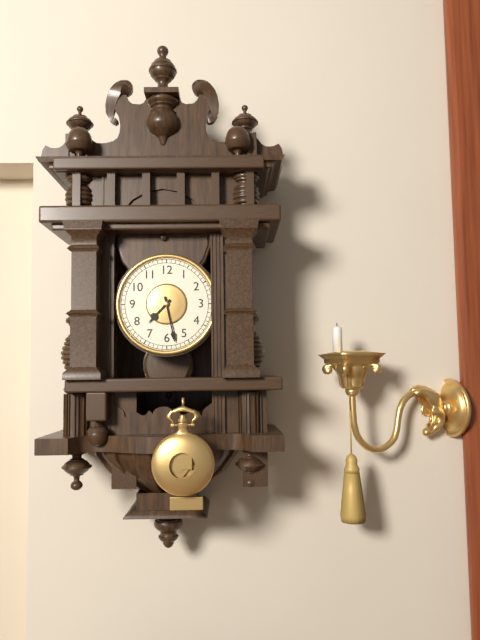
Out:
7 h 28 min
